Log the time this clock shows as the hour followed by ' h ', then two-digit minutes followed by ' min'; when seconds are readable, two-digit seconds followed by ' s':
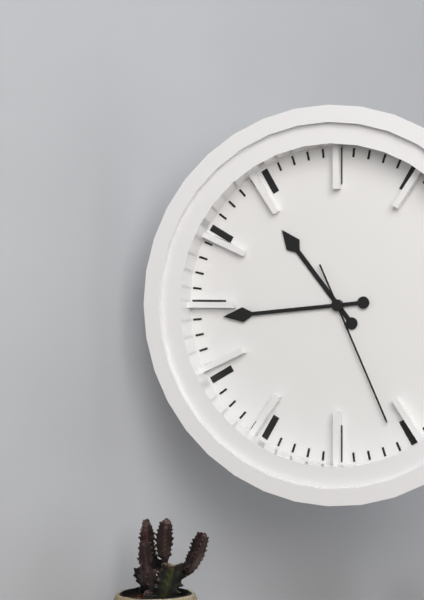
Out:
10 h 44 min 26 s
